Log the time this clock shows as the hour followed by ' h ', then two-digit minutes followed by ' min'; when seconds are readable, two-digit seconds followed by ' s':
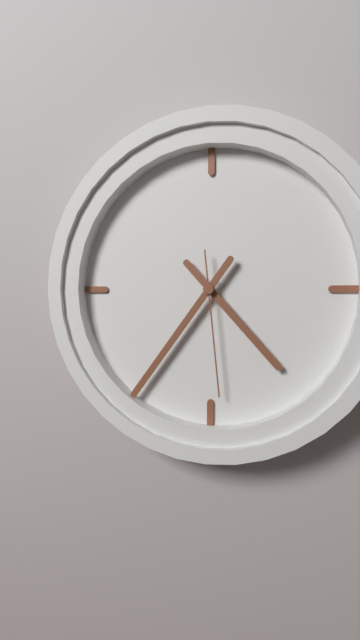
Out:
4 h 36 min 29 s
